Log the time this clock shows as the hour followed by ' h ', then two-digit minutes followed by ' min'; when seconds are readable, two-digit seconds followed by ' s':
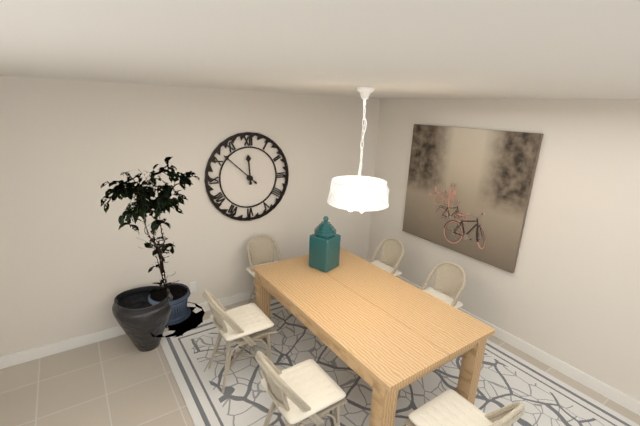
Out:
11 h 52 min
